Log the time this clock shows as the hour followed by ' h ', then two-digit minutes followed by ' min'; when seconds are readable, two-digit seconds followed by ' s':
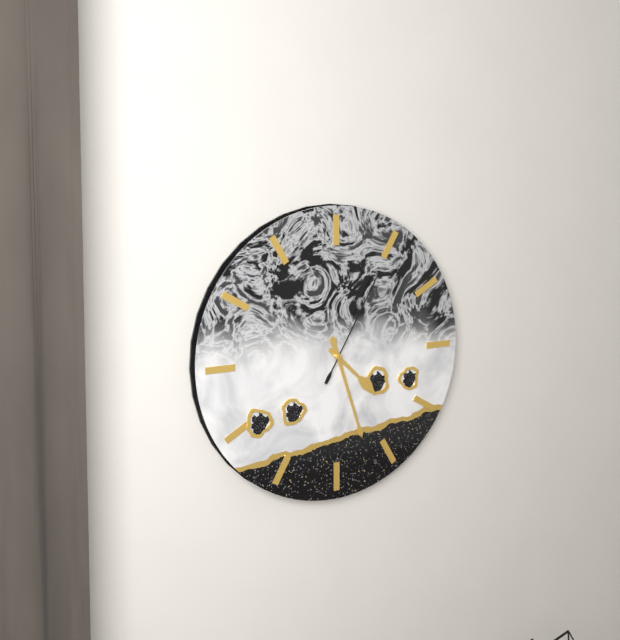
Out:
4 h 27 min 05 s
